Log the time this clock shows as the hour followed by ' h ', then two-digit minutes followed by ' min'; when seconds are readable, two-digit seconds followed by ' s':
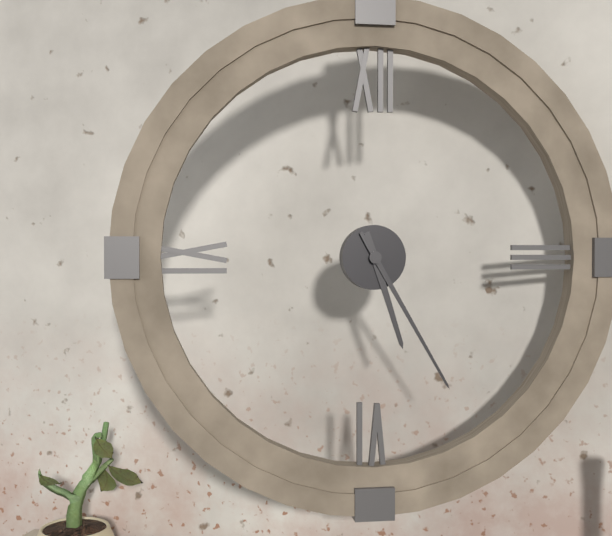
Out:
5 h 25 min
